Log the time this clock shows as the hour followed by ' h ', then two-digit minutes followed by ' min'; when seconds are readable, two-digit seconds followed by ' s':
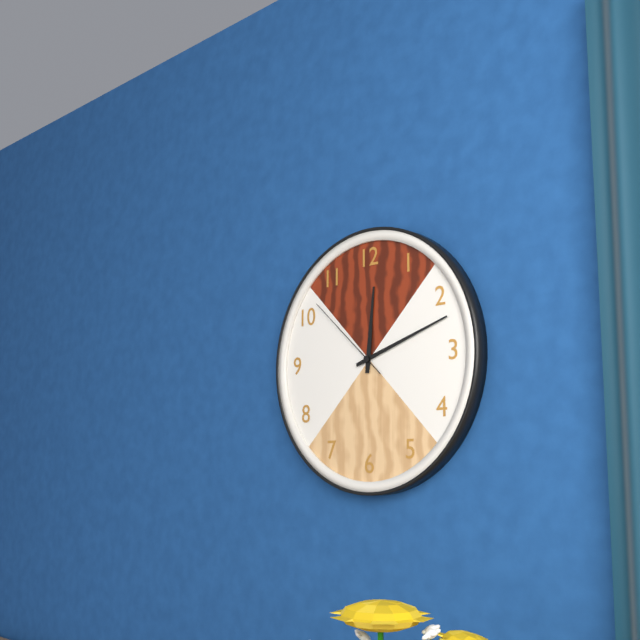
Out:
12 h 12 min 52 s
